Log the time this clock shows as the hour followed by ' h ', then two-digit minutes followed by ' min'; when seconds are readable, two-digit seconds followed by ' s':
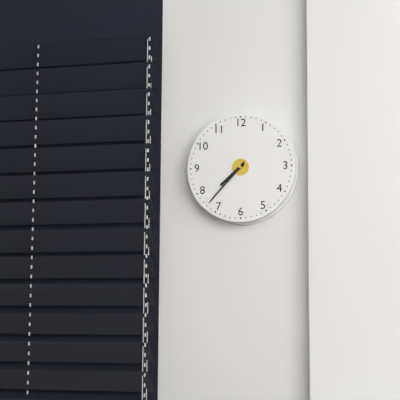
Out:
7 h 37 min
